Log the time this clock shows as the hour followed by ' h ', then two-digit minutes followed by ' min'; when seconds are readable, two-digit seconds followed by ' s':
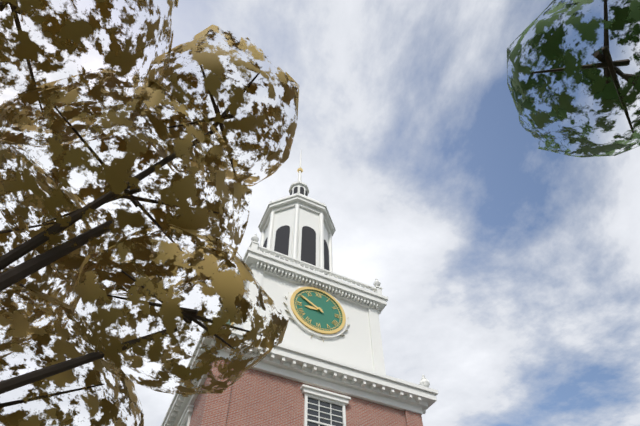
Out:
8 h 50 min
